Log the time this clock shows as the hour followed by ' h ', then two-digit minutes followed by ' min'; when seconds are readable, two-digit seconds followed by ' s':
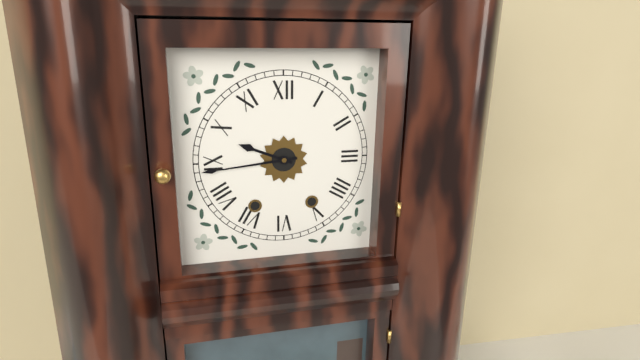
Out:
9 h 44 min
